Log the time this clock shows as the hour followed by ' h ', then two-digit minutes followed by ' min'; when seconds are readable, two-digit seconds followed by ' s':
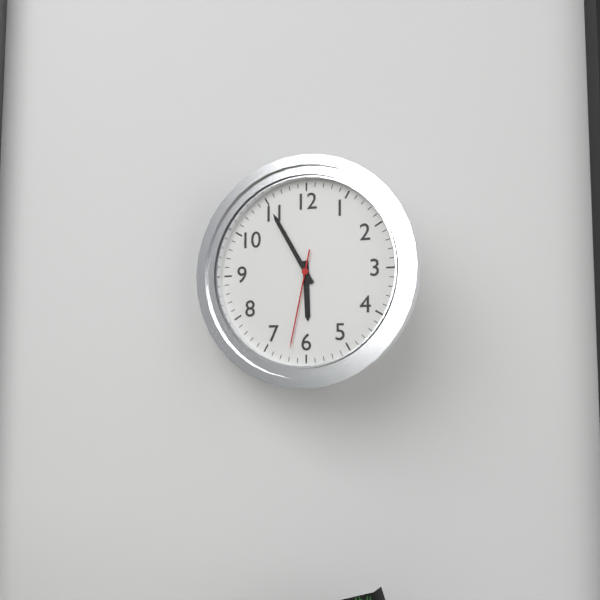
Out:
5 h 55 min 32 s
